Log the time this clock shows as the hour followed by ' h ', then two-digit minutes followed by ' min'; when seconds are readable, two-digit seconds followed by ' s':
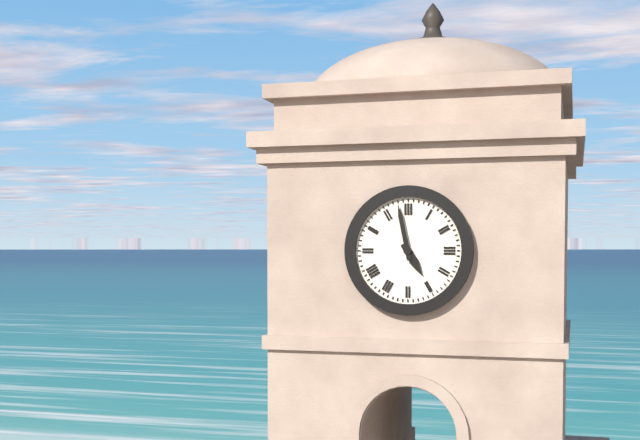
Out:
4 h 58 min
